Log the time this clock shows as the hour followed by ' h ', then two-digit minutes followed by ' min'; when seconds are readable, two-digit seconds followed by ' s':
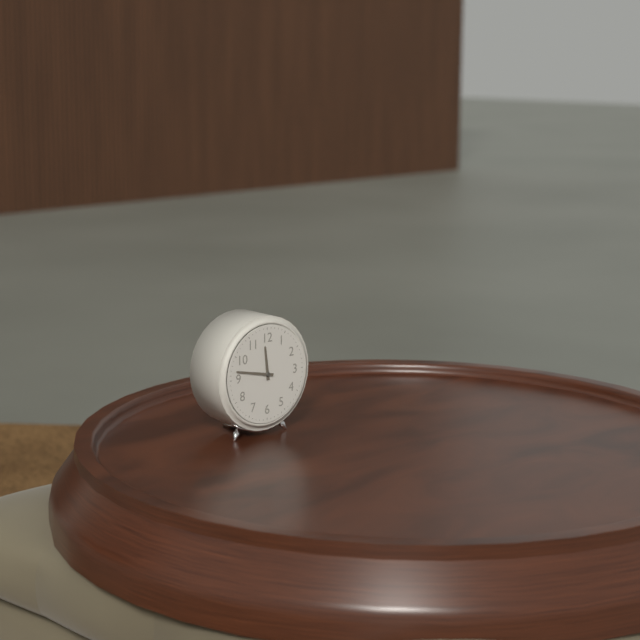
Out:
11 h 47 min
